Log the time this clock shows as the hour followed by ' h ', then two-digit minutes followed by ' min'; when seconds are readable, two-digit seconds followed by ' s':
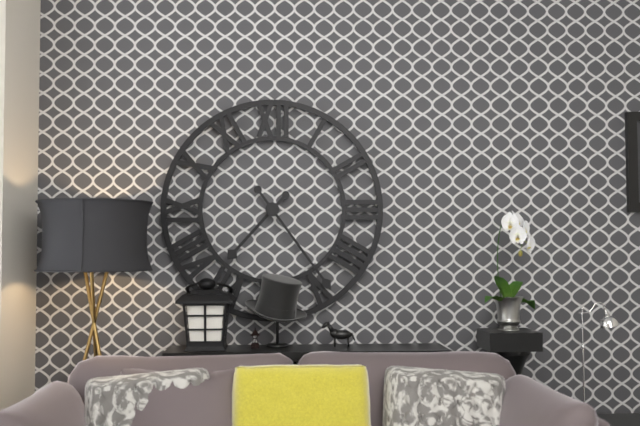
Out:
7 h 24 min
